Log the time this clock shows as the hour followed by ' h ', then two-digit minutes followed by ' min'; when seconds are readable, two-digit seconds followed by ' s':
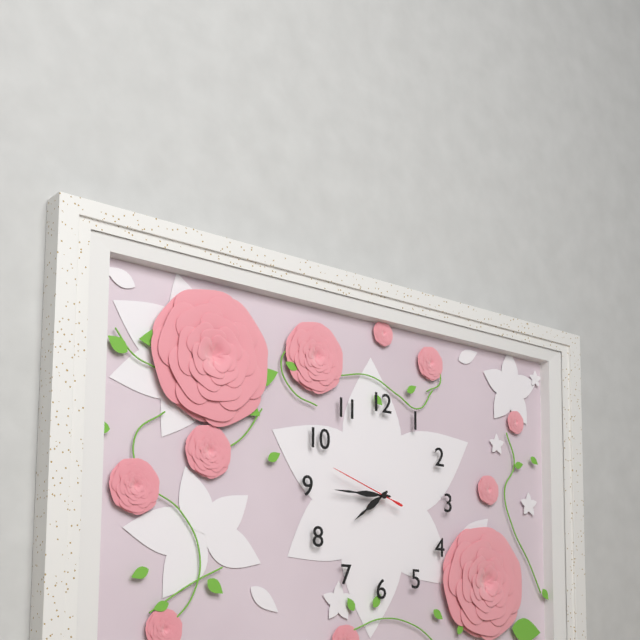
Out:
7 h 45 min 48 s
